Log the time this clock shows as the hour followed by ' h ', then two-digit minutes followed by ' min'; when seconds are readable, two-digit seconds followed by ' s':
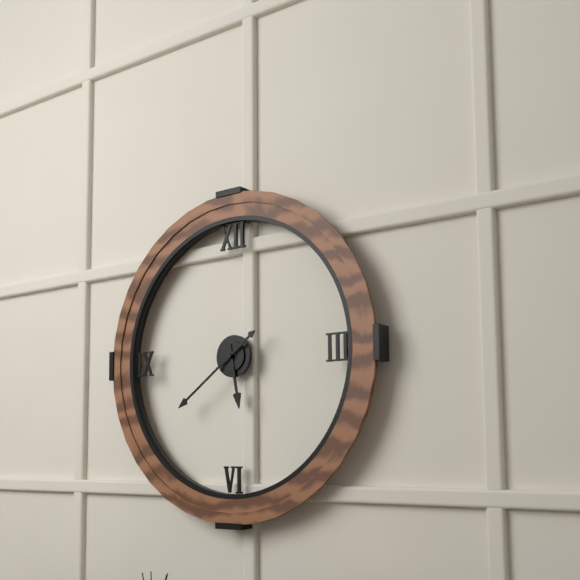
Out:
5 h 39 min
